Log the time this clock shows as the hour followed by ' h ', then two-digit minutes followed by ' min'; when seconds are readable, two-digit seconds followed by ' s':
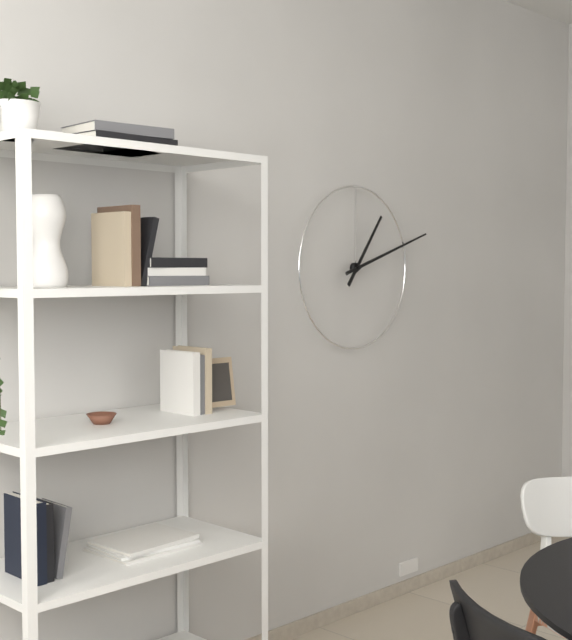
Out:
1 h 12 min
